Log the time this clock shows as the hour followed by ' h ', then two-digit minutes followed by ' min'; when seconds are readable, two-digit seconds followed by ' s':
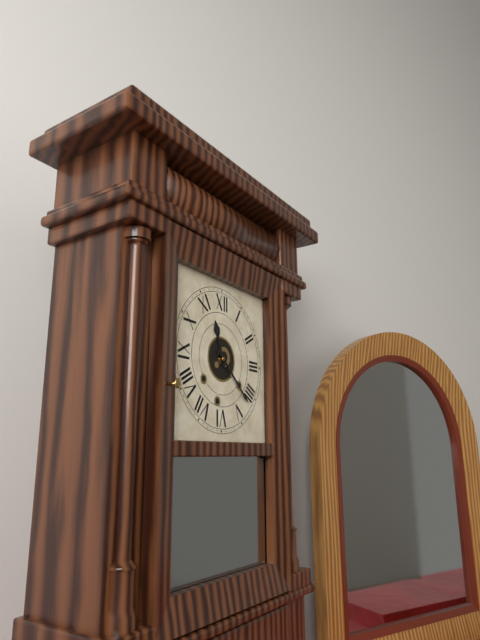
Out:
11 h 22 min
